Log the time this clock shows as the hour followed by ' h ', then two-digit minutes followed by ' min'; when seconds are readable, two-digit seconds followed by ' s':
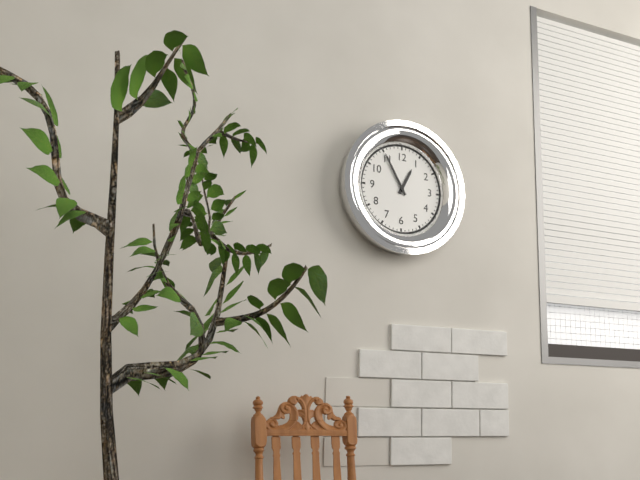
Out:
12 h 55 min
